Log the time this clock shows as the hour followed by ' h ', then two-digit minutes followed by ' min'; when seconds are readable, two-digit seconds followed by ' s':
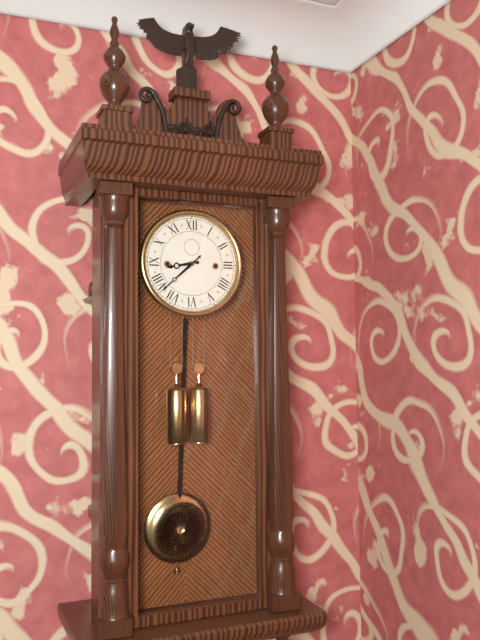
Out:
8 h 38 min
